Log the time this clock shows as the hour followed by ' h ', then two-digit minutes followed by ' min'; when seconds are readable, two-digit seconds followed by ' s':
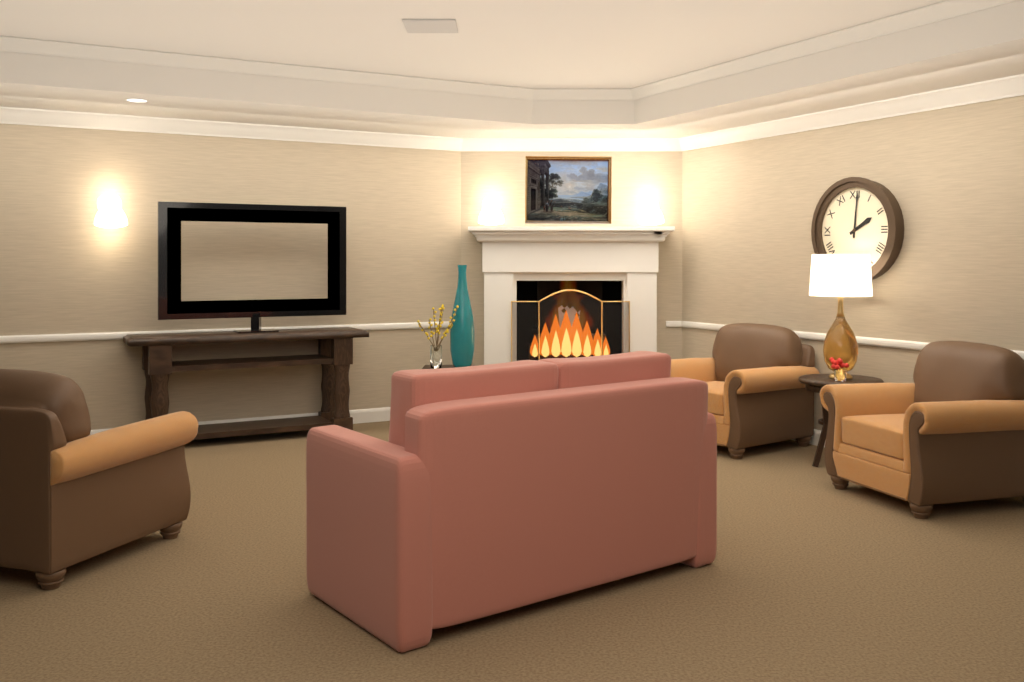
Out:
2 h 01 min
